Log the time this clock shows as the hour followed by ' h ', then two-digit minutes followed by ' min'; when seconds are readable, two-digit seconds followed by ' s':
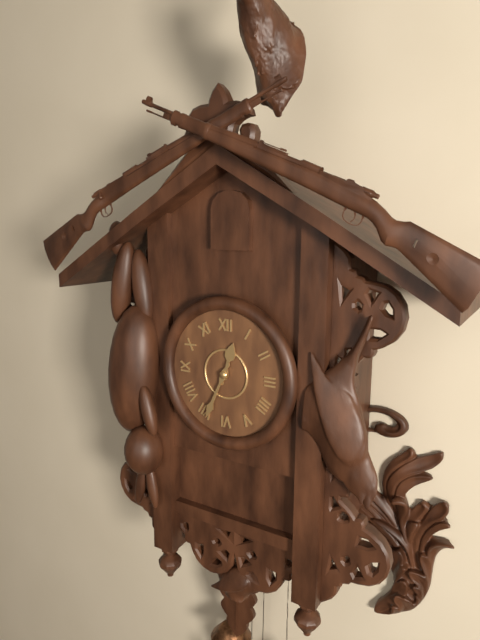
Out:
12 h 34 min
